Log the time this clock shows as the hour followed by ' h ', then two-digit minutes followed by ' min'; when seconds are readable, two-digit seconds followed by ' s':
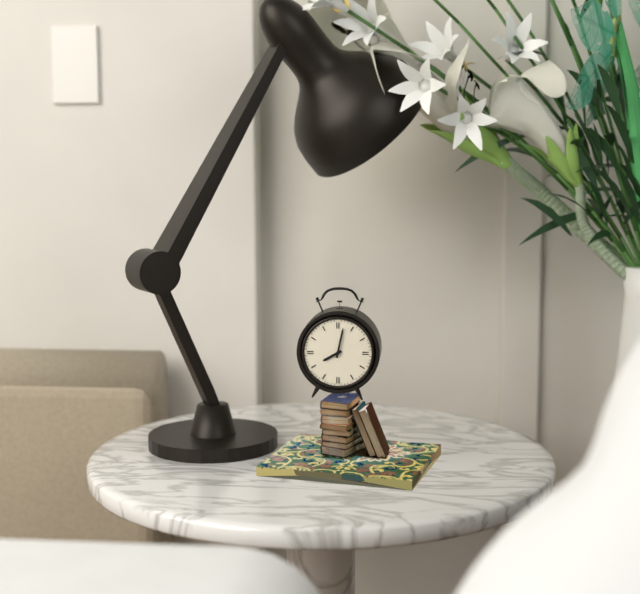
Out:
8 h 02 min
